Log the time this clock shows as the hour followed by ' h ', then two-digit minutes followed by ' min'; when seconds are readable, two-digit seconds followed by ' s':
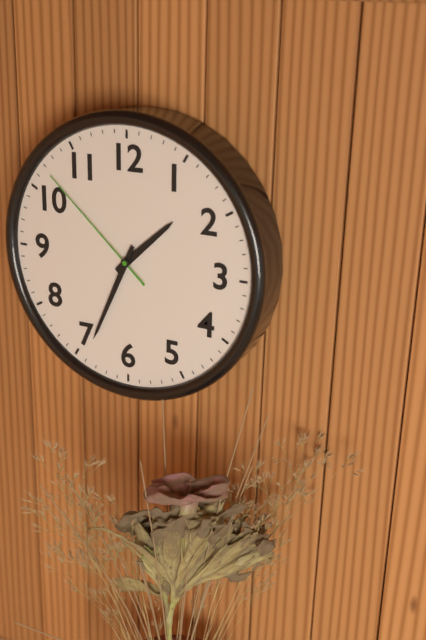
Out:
1 h 34 min 52 s
